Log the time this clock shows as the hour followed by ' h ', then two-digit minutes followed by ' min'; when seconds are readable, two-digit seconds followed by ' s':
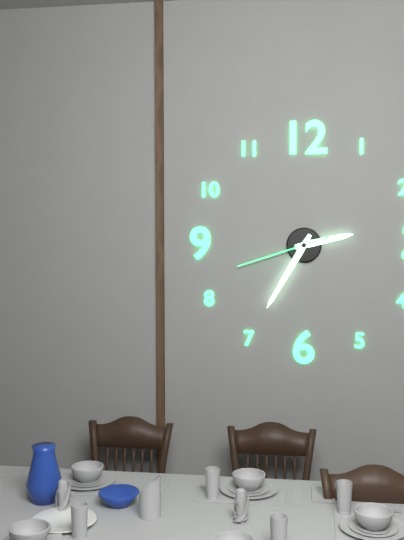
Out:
2 h 35 min 42 s
